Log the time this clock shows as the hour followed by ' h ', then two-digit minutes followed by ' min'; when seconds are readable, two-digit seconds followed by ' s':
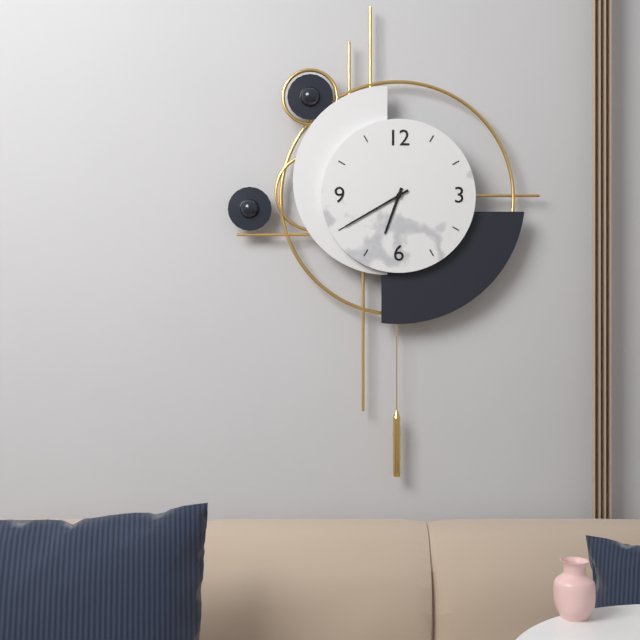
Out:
6 h 40 min
